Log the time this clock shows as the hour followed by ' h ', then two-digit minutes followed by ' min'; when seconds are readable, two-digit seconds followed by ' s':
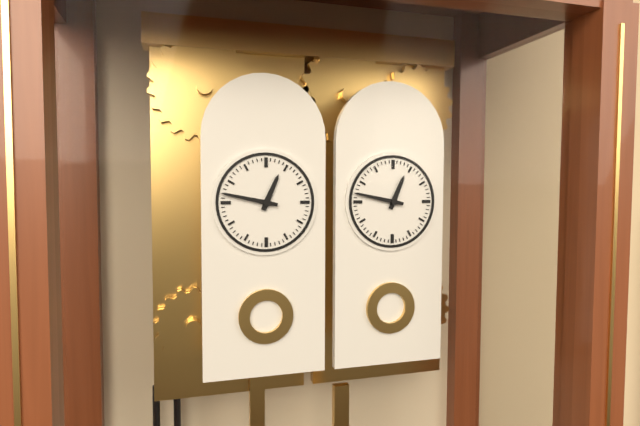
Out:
12 h 47 min
